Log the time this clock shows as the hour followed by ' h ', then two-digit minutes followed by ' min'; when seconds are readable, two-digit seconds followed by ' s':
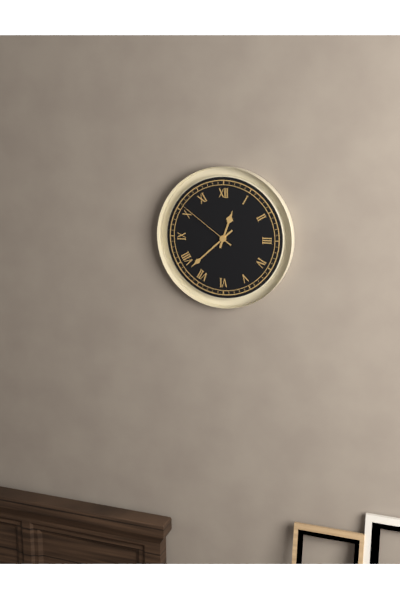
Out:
12 h 38 min 51 s
